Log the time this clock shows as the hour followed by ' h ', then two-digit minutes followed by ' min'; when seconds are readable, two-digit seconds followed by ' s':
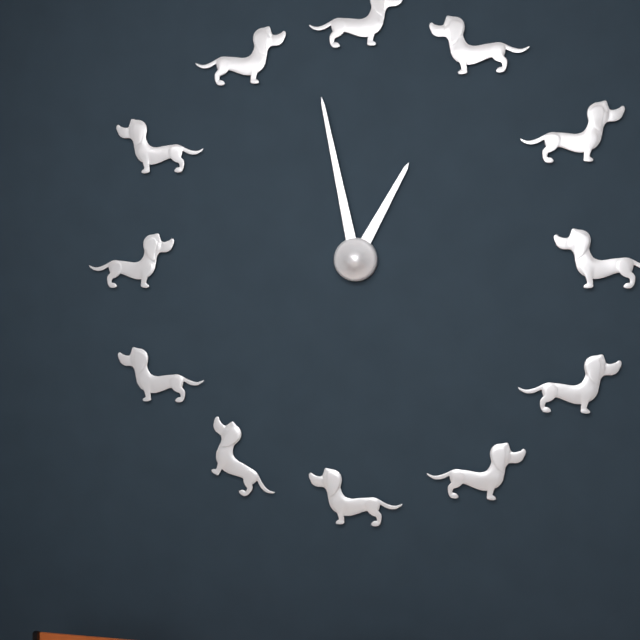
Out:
12 h 58 min
